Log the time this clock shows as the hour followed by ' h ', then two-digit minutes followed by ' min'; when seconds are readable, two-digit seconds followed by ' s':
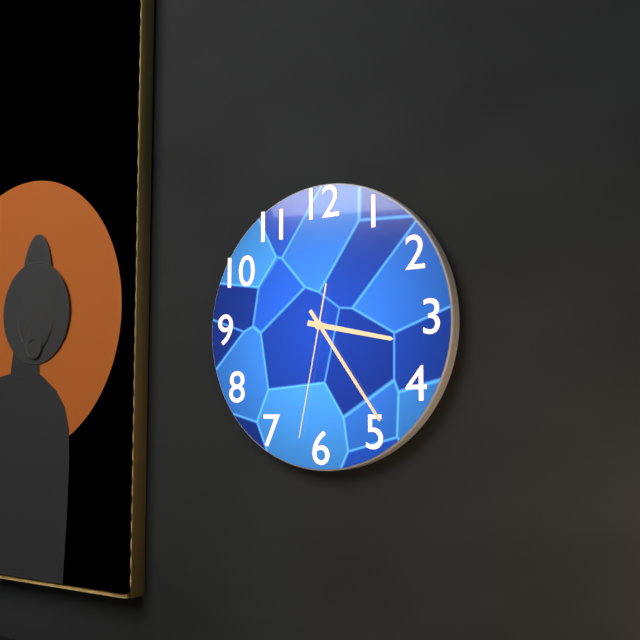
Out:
3 h 24 min 32 s
